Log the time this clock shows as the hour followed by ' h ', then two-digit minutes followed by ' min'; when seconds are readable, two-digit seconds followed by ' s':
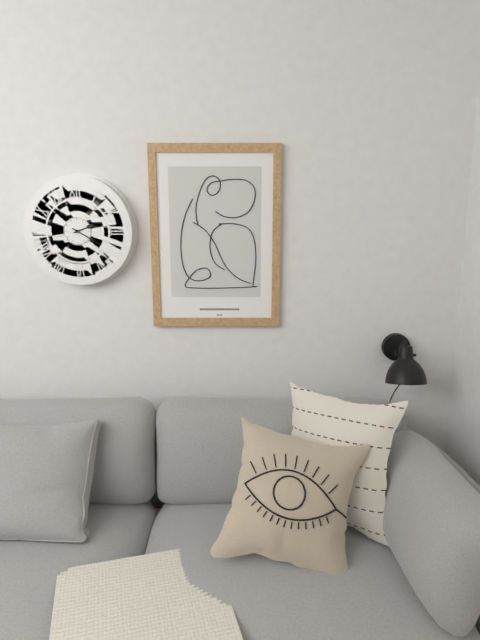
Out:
2 h 20 min
